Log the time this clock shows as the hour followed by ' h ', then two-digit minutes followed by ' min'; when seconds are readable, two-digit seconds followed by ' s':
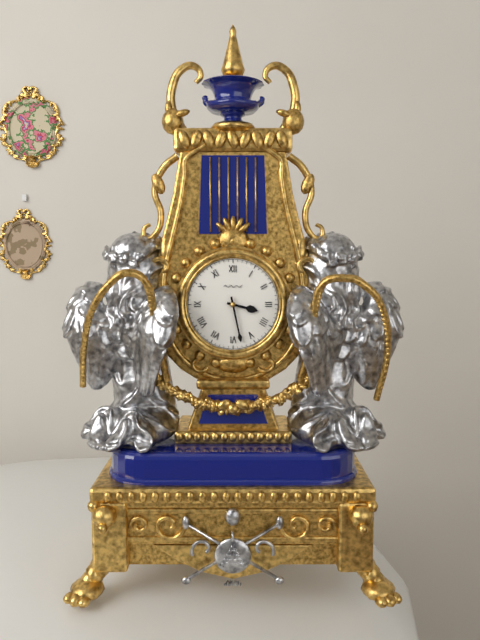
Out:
3 h 28 min
